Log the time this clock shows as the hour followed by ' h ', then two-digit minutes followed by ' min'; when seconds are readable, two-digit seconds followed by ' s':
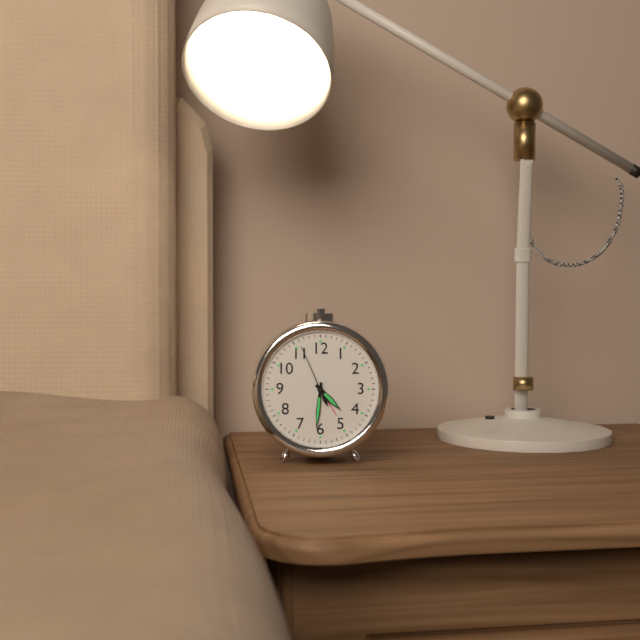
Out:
4 h 31 min 56 s
